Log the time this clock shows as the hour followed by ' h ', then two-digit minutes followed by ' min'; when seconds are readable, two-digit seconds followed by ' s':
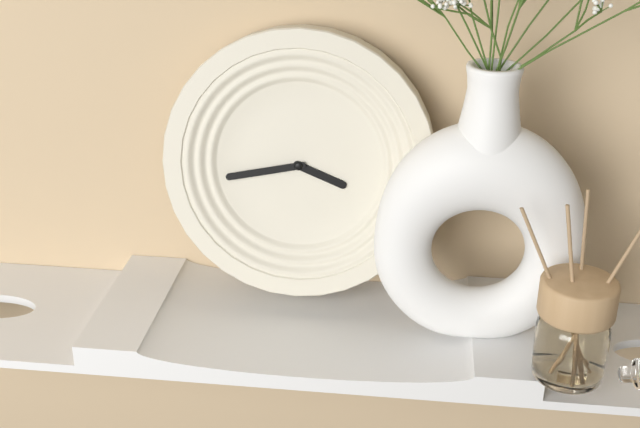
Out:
3 h 43 min
